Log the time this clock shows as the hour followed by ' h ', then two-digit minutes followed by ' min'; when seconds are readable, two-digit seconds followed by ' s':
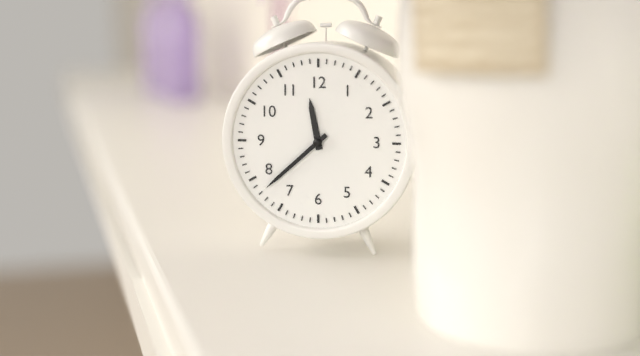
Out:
11 h 38 min
